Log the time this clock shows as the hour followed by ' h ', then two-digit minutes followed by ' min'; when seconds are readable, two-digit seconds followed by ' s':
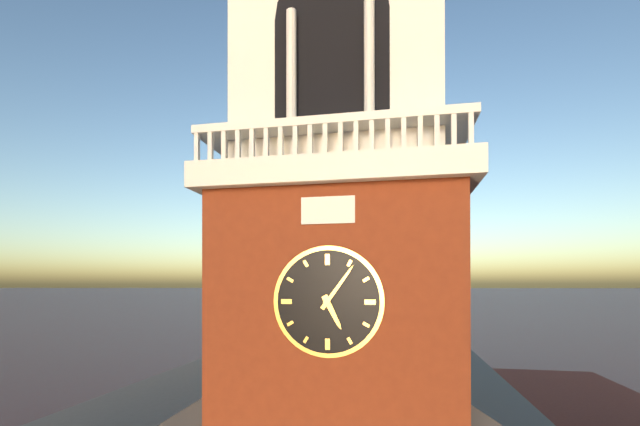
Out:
5 h 06 min
